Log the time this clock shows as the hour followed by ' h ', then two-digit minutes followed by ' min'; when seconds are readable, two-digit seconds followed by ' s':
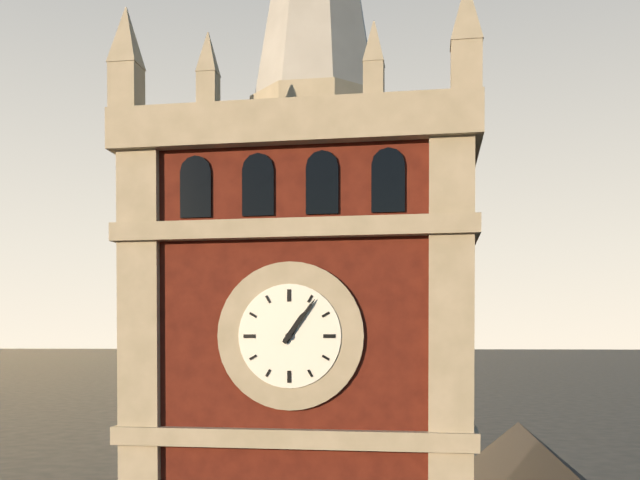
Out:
1 h 06 min
